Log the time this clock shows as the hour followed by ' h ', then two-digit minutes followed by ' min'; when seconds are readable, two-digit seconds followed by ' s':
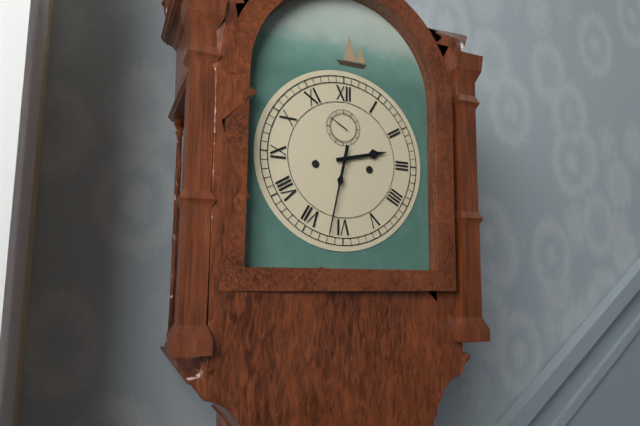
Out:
2 h 32 min
